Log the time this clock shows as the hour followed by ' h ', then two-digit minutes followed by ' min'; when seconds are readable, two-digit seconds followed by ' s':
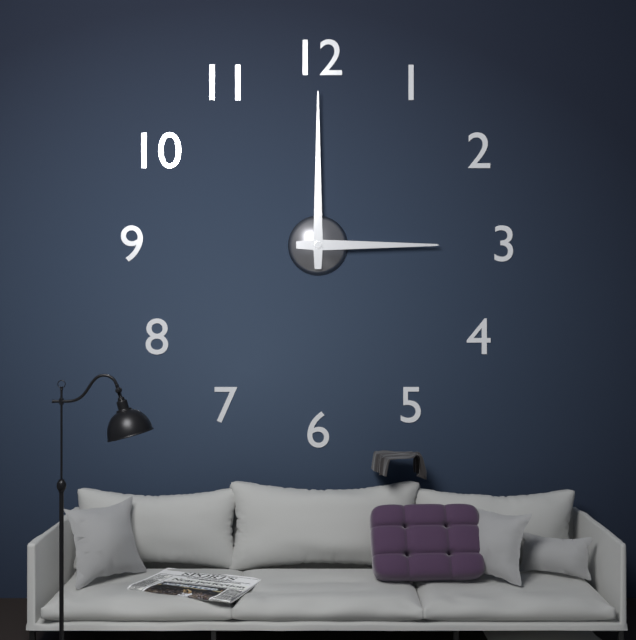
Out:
3 h 00 min
